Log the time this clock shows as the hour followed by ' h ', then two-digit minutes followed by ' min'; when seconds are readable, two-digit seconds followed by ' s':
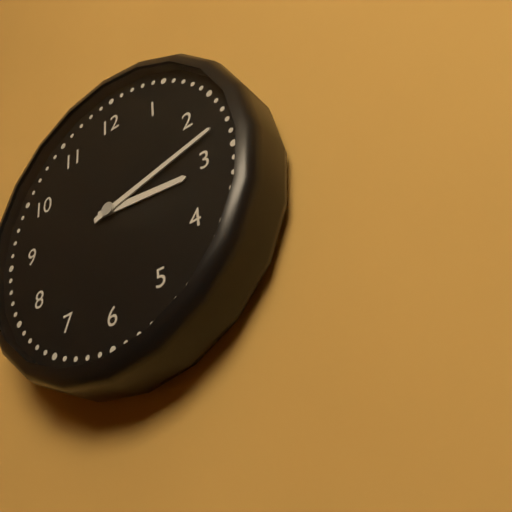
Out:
3 h 13 min
